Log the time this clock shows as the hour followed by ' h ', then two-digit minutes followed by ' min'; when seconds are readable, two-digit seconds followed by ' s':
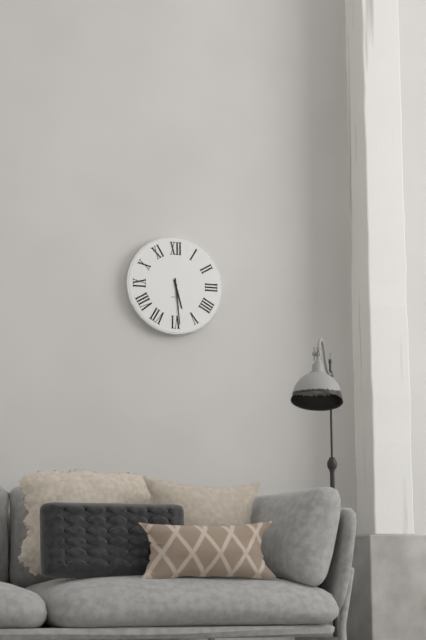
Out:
5 h 29 min
